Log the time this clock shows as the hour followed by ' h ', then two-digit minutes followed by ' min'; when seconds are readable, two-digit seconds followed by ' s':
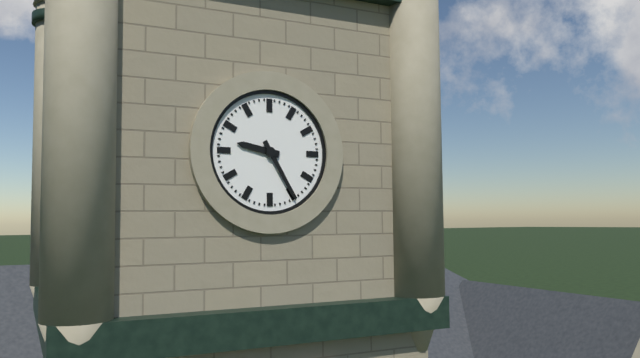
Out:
9 h 25 min
